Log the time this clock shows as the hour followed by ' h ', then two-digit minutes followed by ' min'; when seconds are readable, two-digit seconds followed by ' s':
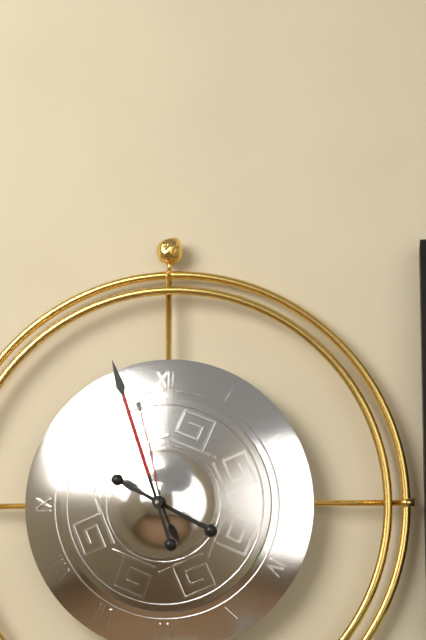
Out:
3 h 57 min
